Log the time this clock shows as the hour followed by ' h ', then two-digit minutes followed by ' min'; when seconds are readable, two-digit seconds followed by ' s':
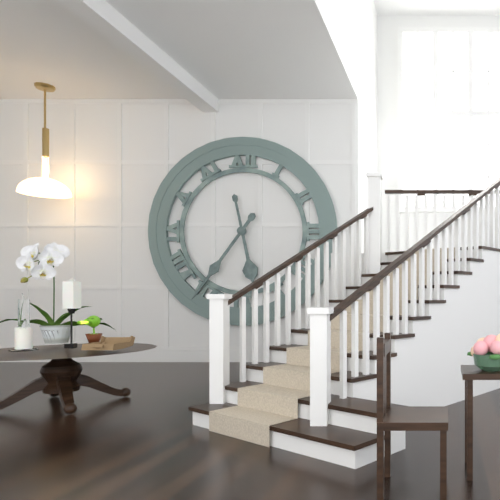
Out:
5 h 36 min
